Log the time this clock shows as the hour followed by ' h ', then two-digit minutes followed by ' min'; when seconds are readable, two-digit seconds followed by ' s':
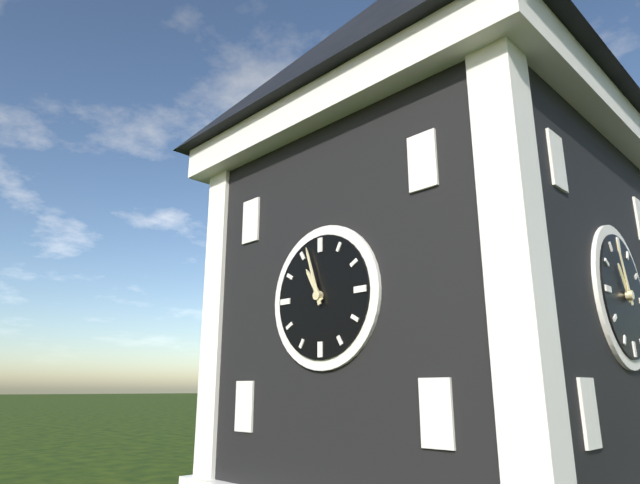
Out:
10 h 57 min
